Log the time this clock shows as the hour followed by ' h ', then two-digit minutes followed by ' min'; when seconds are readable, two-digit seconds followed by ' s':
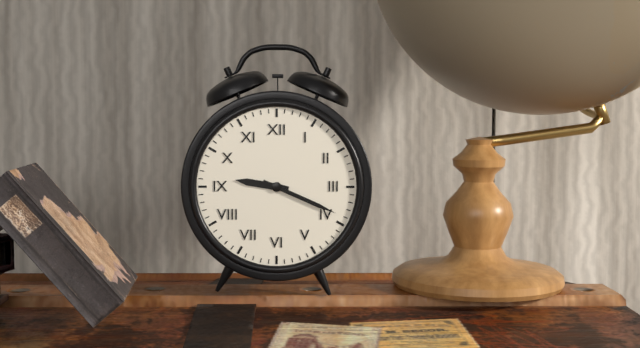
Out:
9 h 19 min
